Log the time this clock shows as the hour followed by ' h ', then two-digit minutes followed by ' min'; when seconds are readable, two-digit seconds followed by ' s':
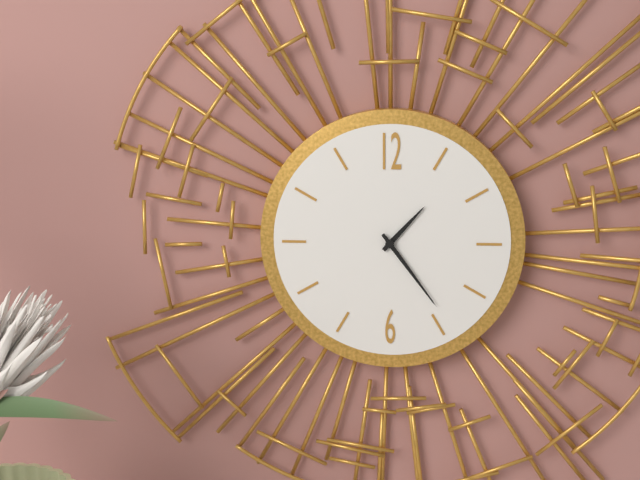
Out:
1 h 24 min
